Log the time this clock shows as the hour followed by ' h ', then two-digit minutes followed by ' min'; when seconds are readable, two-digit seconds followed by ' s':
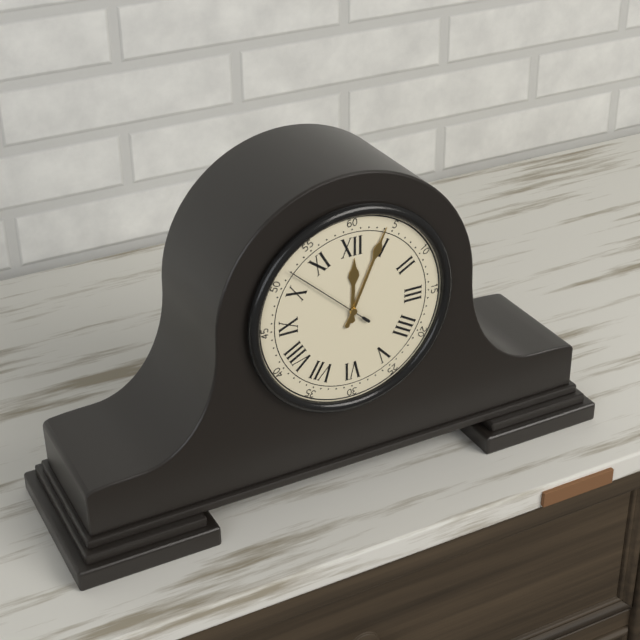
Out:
12 h 04 min 52 s
